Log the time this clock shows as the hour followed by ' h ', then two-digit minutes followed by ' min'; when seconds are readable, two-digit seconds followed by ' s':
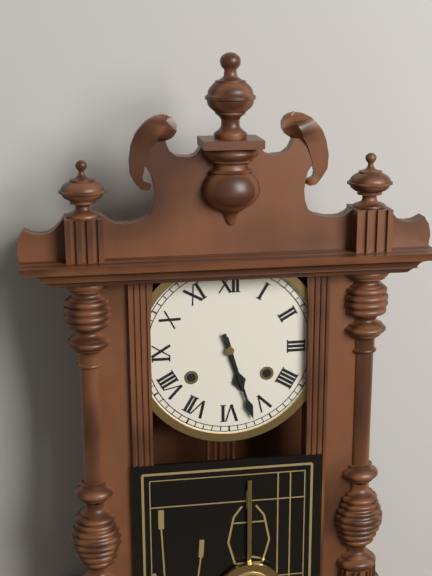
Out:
5 h 27 min
